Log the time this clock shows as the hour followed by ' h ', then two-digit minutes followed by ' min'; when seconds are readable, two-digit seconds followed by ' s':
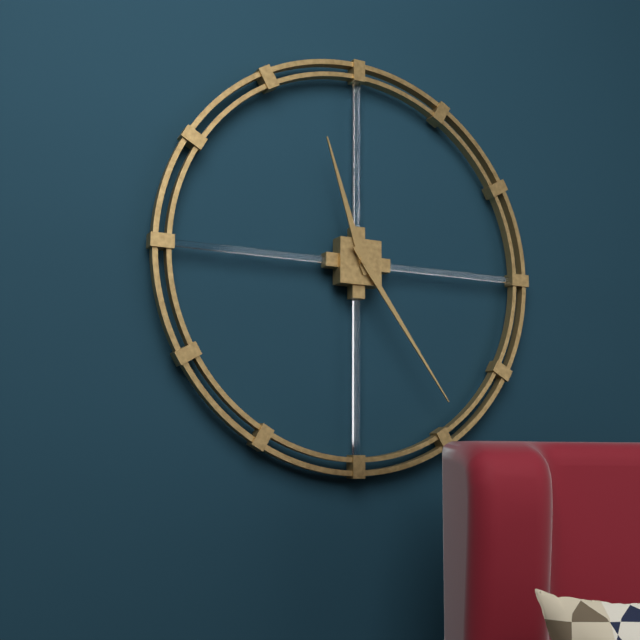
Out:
11 h 24 min
